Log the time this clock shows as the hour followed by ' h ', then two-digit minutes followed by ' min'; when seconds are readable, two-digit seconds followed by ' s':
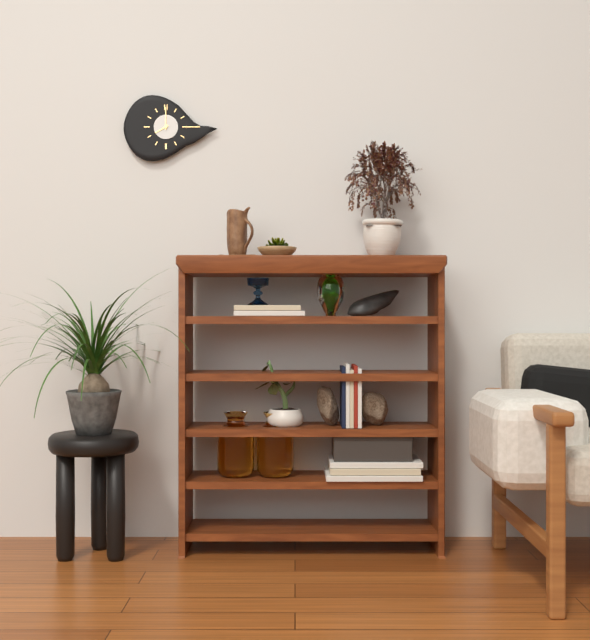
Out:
8 h 00 min
